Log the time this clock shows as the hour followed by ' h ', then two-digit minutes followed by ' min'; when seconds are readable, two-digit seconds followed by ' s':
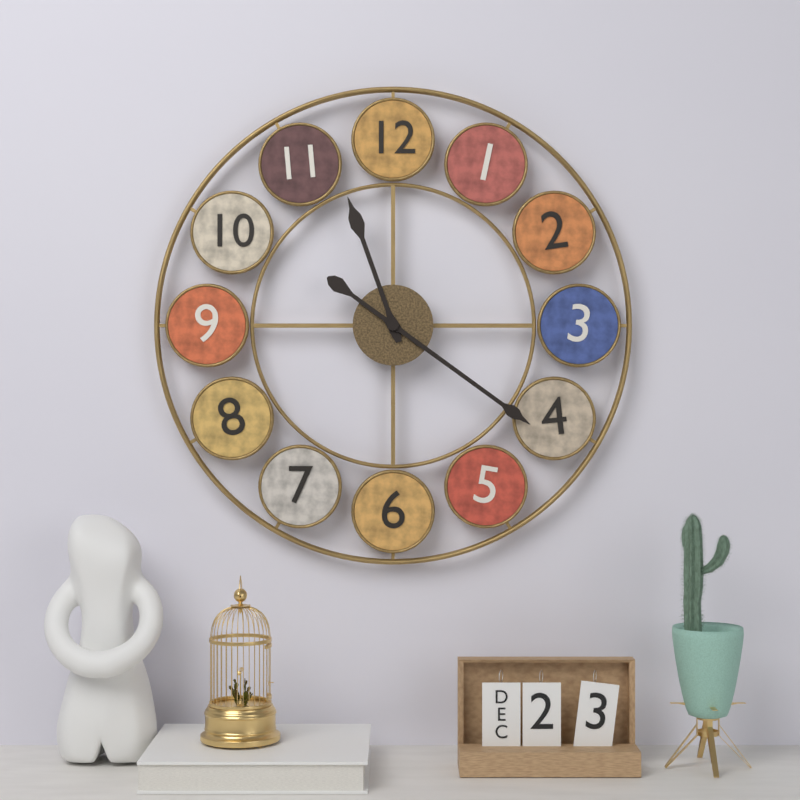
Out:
11 h 21 min
